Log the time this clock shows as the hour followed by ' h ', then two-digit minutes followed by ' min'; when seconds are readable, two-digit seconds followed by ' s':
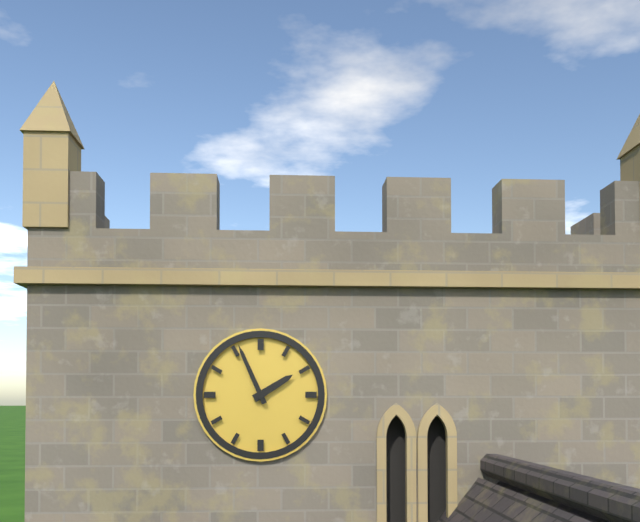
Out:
1 h 56 min
